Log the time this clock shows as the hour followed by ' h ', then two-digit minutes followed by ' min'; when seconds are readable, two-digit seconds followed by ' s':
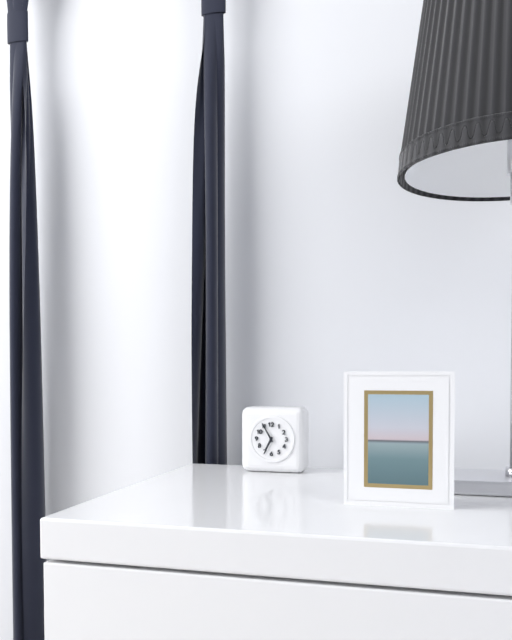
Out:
6 h 55 min
